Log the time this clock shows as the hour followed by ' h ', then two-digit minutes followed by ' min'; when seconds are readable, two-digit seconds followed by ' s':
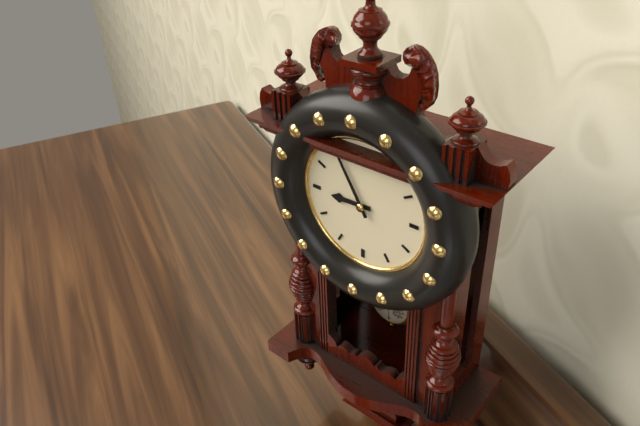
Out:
8 h 55 min
